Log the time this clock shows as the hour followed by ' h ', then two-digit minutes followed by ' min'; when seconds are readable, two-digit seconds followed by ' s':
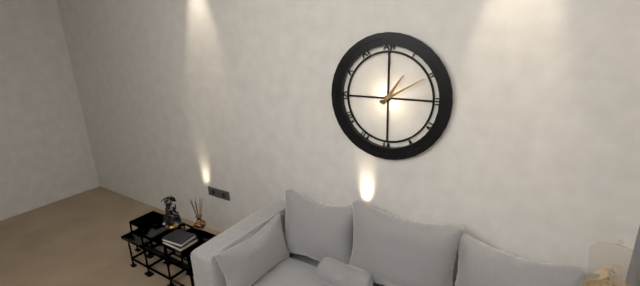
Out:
1 h 10 min
